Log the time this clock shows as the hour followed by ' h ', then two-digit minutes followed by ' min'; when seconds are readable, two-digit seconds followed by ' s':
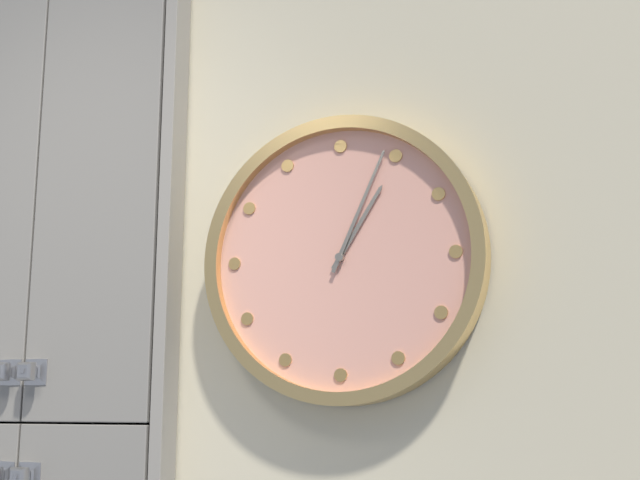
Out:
1 h 04 min
